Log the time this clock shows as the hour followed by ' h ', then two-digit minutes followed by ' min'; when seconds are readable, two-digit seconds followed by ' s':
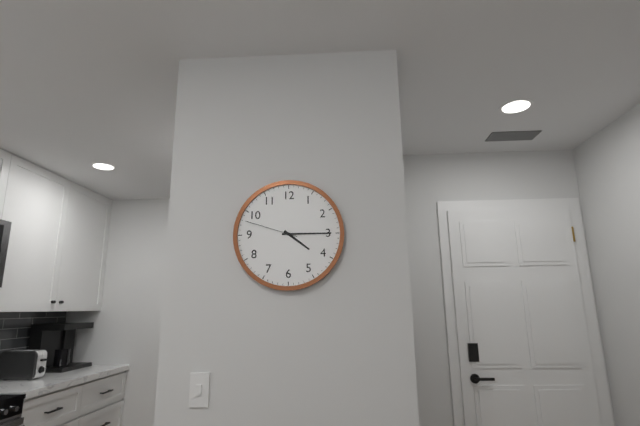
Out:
4 h 15 min 48 s
